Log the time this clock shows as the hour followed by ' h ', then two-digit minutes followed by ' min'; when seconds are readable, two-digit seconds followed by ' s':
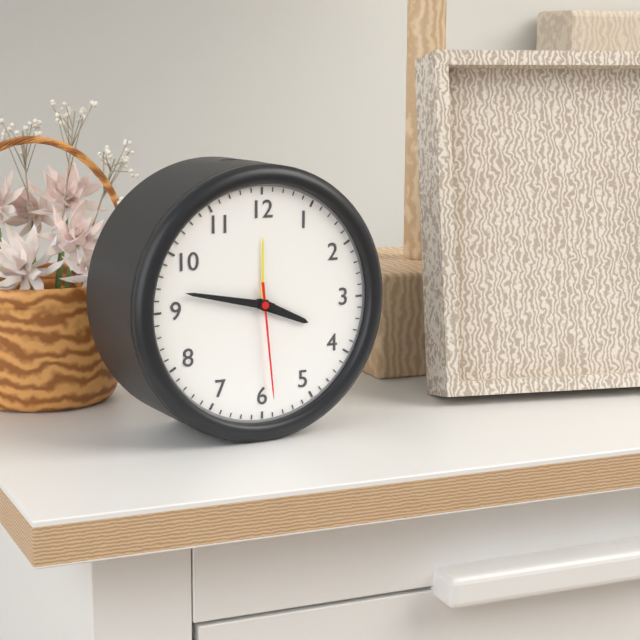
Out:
3 h 47 min 29 s
